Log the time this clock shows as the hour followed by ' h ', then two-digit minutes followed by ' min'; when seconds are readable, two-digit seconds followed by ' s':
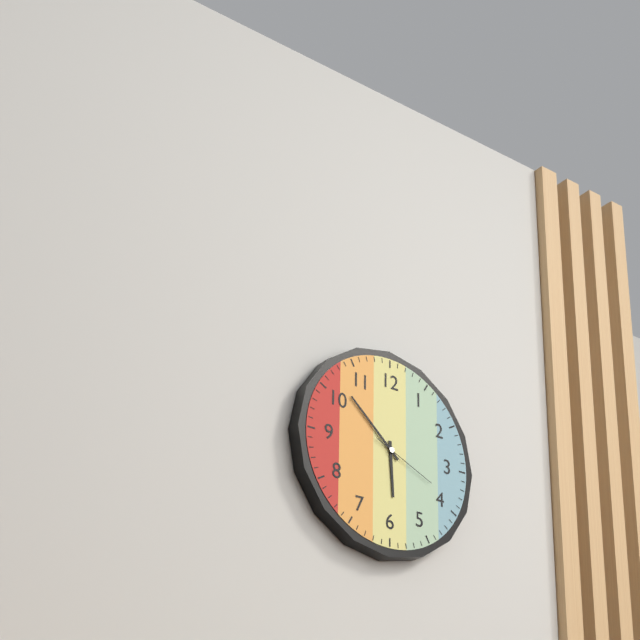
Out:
5 h 52 min 19 s
